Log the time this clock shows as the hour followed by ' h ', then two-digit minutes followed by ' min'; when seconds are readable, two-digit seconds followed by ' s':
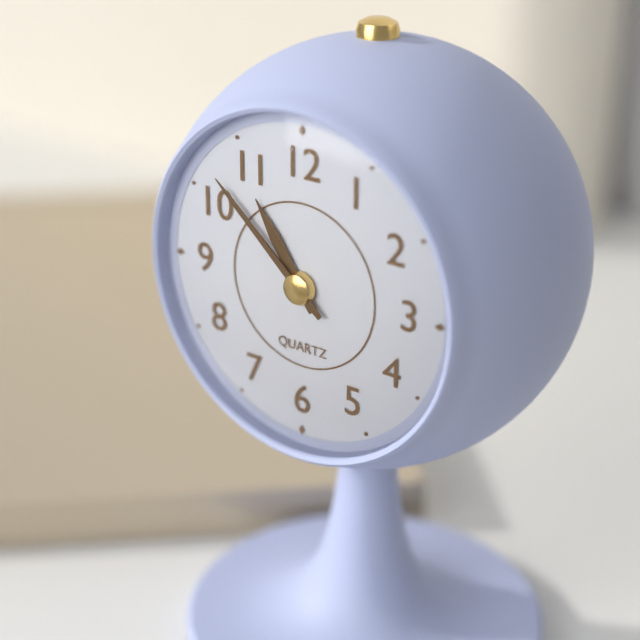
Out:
10 h 52 min
